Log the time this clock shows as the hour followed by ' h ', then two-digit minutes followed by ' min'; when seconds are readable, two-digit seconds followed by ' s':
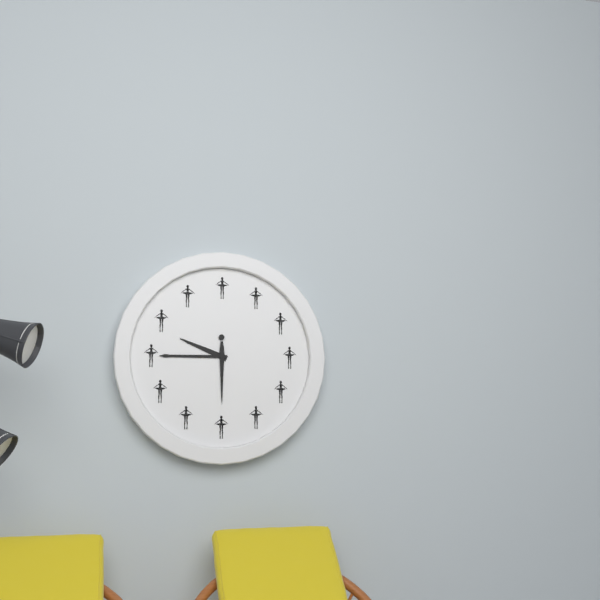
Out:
9 h 45 min
